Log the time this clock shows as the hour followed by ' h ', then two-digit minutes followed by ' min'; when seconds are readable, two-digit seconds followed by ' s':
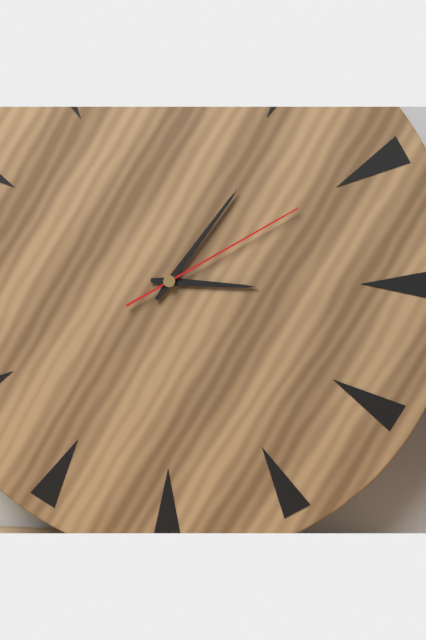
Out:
3 h 06 min 10 s
